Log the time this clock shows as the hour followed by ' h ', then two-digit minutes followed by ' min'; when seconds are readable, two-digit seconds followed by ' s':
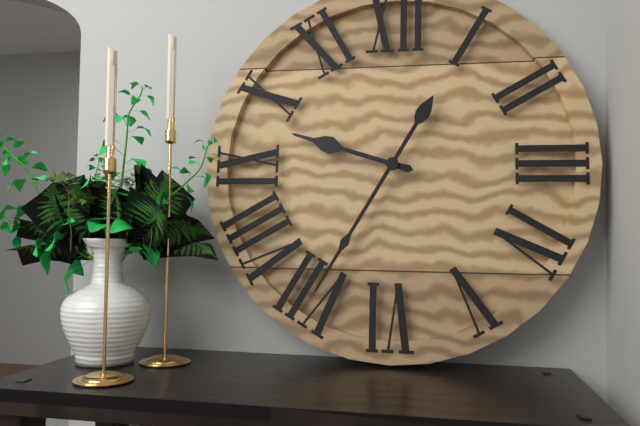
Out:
9 h 35 min
